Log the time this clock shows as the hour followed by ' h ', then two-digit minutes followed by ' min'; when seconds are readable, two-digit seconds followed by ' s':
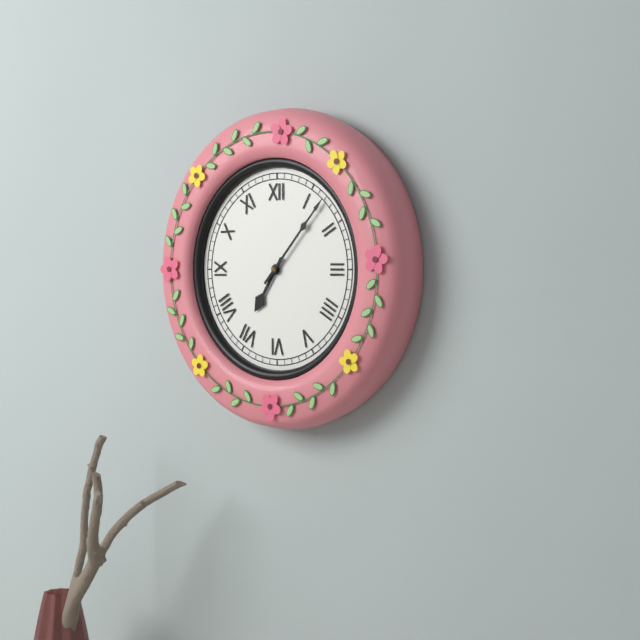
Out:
7 h 07 min
